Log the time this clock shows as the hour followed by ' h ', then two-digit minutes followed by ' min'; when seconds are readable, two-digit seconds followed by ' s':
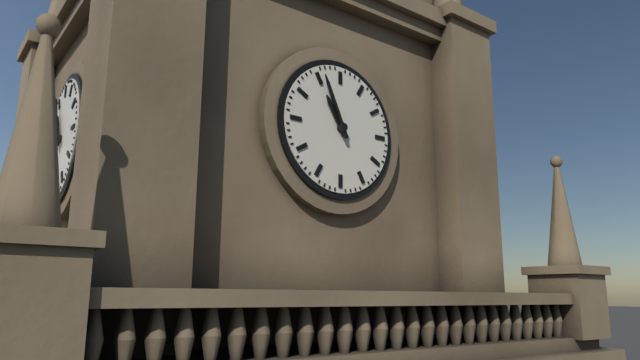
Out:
10 h 56 min
